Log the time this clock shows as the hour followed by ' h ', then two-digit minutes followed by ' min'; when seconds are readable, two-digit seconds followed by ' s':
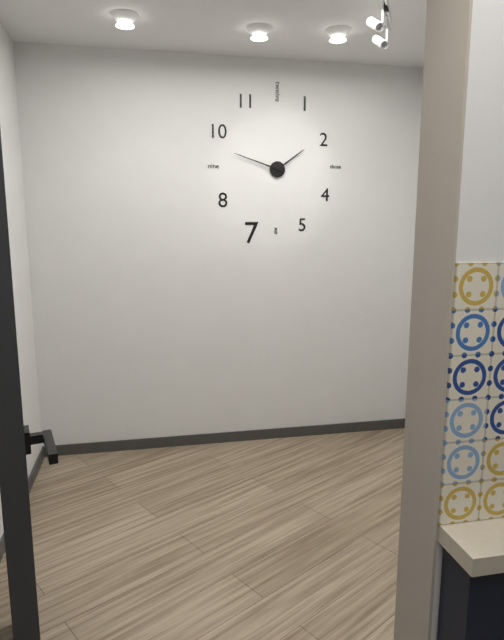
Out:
1 h 48 min
